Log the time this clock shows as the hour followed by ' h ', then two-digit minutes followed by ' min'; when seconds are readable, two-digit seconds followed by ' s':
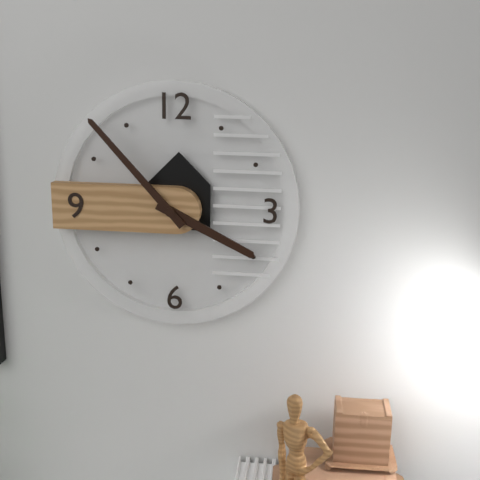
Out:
3 h 53 min
